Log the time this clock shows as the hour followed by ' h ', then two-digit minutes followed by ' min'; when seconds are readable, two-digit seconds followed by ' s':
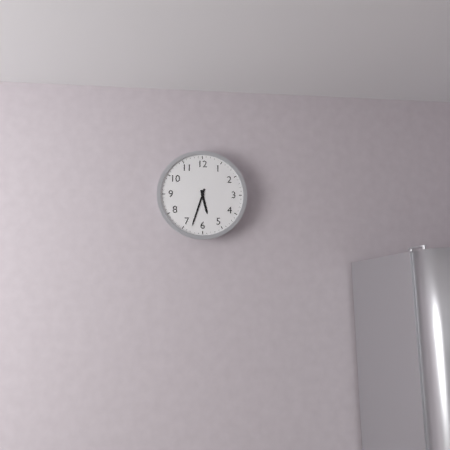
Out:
5 h 33 min
